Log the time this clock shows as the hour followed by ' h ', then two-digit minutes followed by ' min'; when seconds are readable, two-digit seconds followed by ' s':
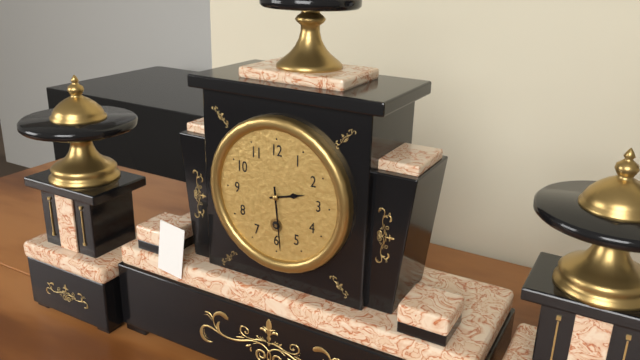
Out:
2 h 29 min
